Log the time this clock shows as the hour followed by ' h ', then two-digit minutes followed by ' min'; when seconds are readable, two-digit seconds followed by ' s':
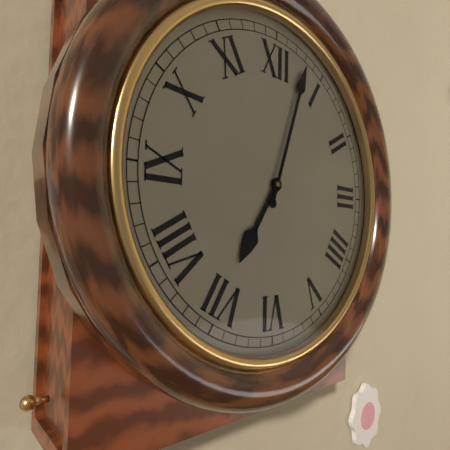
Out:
7 h 03 min
